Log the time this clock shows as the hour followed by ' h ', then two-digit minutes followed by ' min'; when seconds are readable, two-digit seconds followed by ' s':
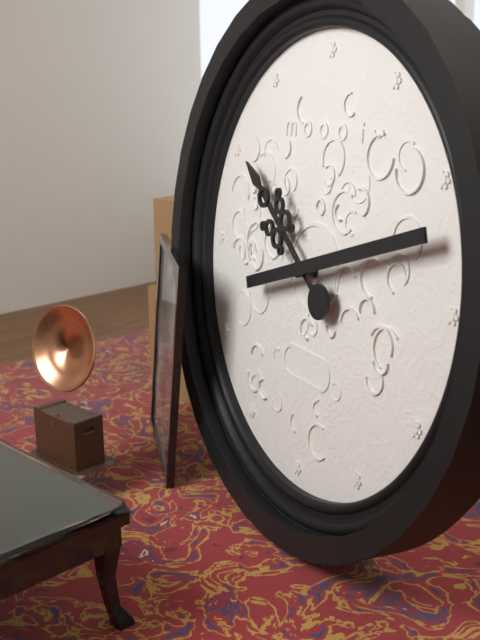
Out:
10 h 12 min
